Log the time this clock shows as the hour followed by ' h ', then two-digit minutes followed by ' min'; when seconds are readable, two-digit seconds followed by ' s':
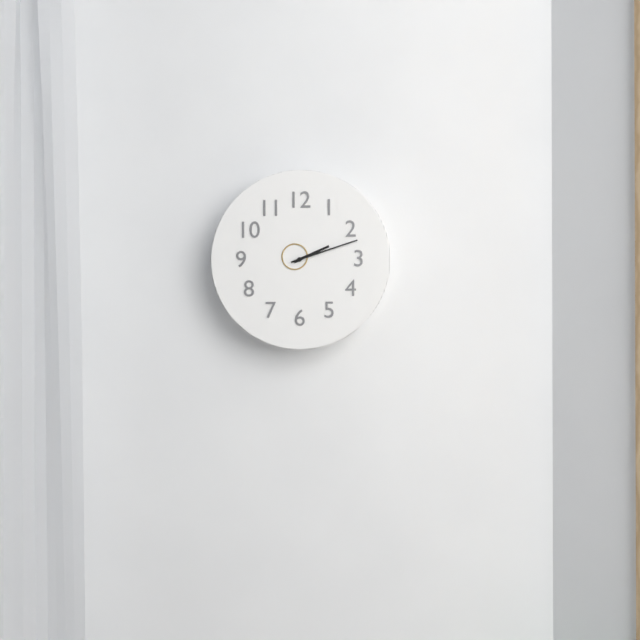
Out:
2 h 12 min
